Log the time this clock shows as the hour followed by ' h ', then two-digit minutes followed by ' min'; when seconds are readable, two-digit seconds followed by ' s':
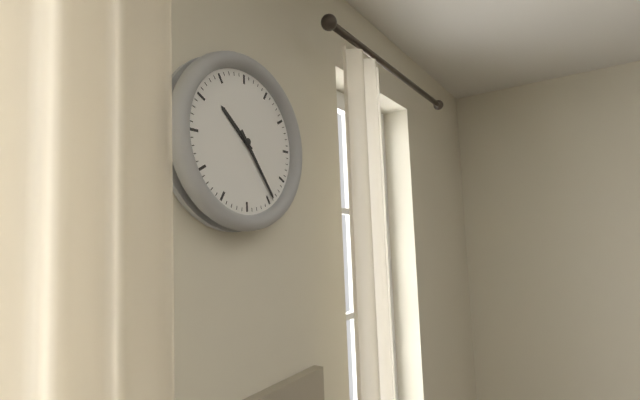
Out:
10 h 24 min
